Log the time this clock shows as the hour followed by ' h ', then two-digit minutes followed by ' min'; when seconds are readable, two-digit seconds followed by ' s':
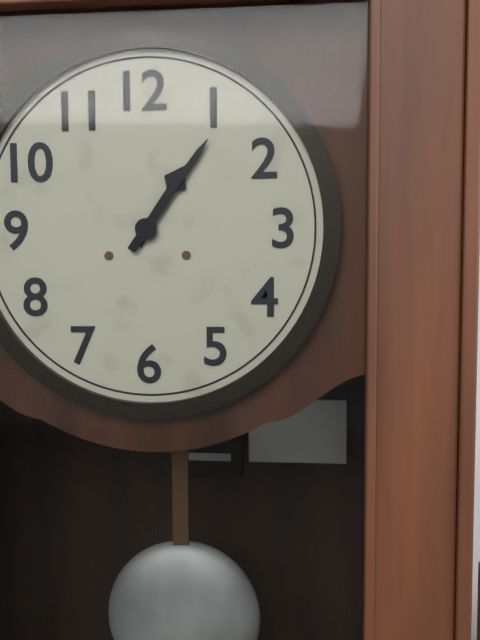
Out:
1 h 06 min
